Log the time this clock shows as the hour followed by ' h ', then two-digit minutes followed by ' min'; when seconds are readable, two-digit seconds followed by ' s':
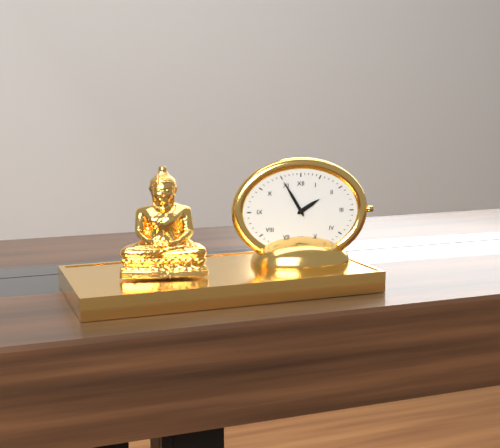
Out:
1 h 55 min
